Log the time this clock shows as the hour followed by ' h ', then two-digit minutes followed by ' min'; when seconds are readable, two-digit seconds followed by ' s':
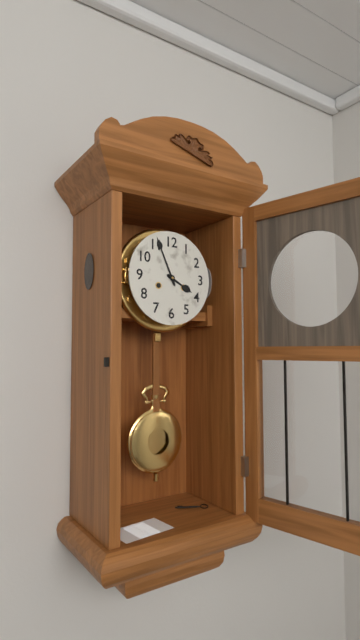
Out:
3 h 56 min
